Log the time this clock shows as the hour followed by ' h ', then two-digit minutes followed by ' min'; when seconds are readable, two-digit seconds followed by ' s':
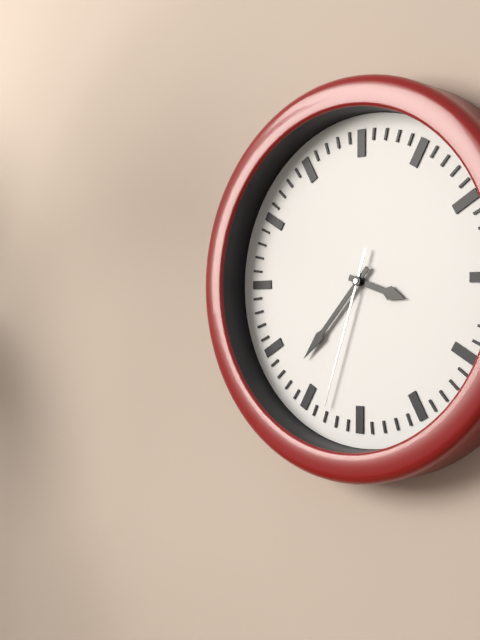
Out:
3 h 37 min 33 s
